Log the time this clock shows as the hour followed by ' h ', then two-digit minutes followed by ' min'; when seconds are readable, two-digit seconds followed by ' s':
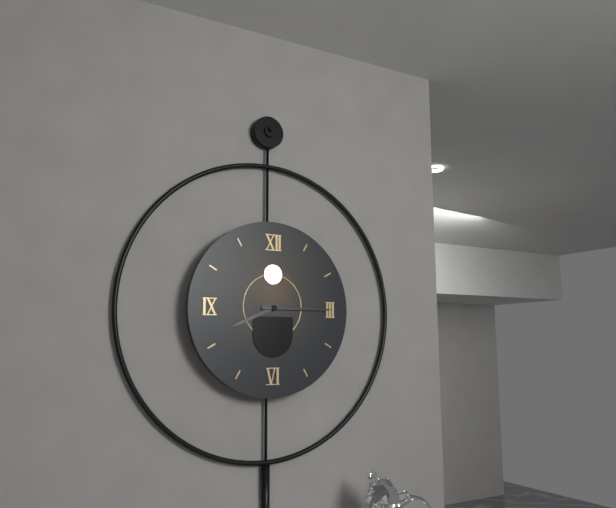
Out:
8 h 15 min
